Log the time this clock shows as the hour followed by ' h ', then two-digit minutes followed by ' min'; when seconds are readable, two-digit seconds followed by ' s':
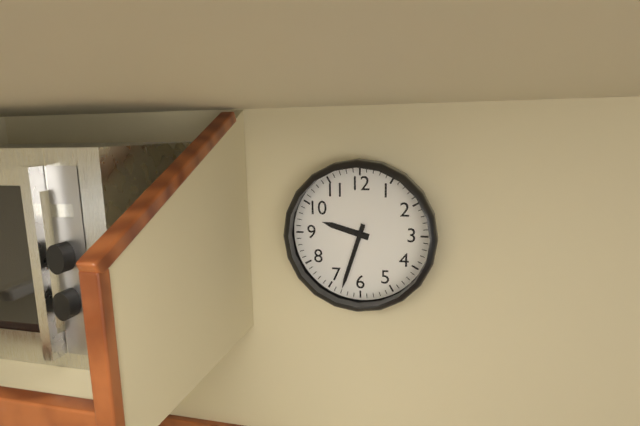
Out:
9 h 33 min
